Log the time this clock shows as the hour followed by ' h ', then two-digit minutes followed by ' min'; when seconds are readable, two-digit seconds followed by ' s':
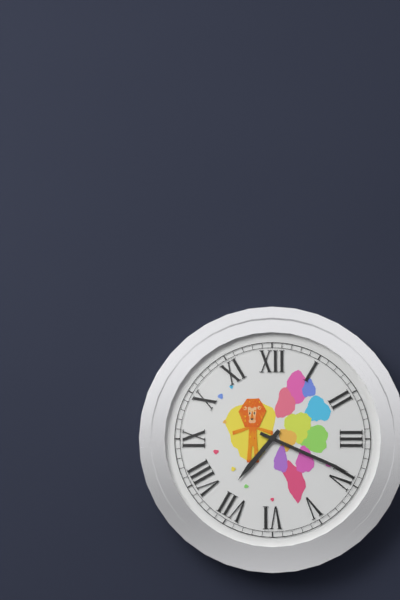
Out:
7 h 19 min
